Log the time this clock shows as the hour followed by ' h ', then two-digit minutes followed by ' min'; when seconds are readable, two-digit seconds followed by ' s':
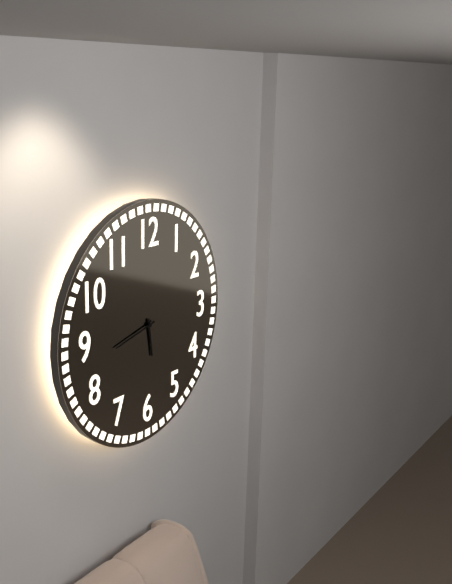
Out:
5 h 43 min
